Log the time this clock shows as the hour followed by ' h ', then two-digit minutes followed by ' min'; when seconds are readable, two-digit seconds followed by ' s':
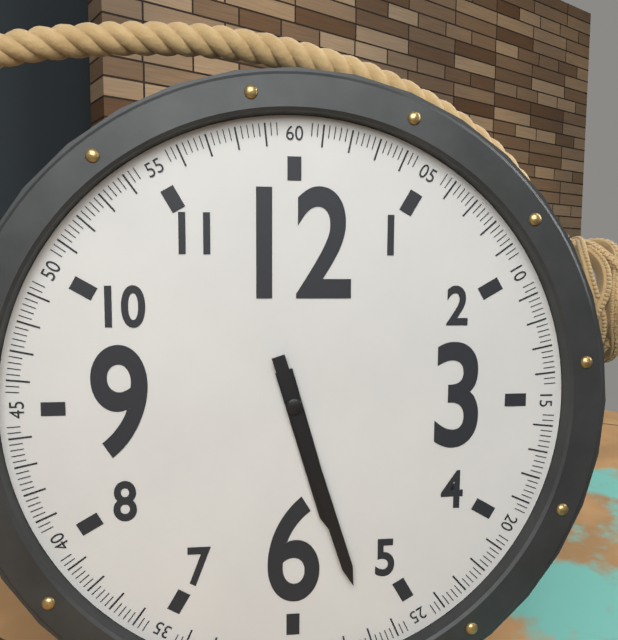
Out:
5 h 27 min
